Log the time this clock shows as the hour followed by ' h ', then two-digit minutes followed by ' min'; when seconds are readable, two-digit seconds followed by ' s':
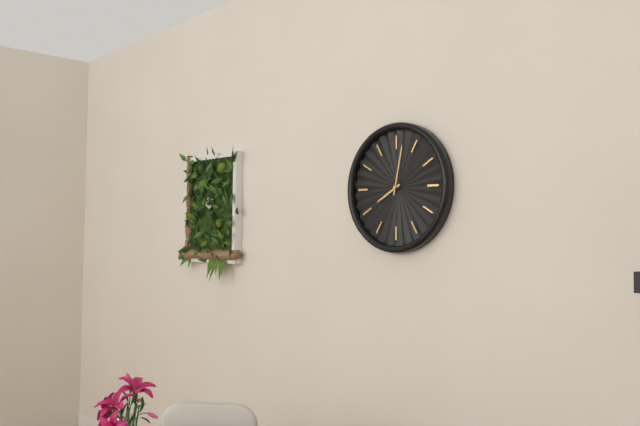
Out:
8 h 02 min
